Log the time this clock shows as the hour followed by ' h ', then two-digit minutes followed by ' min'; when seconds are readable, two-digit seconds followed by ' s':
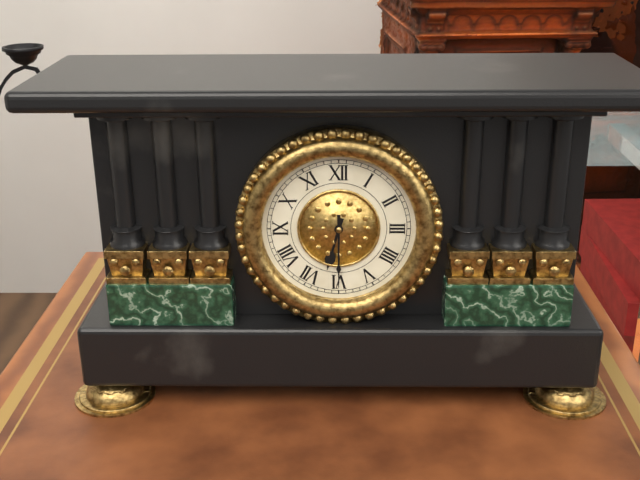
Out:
6 h 30 min
